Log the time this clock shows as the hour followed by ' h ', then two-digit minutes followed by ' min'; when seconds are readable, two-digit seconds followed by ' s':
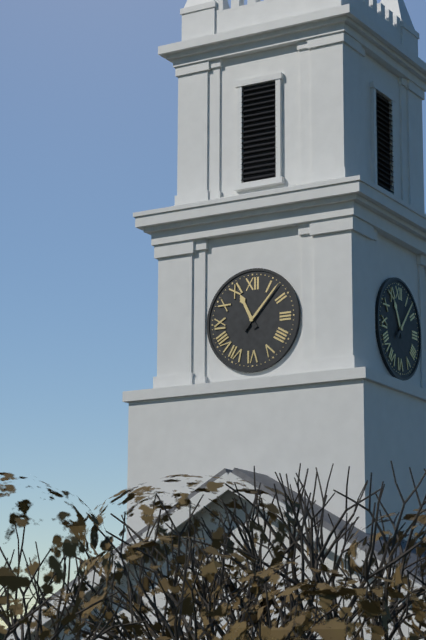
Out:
11 h 07 min
